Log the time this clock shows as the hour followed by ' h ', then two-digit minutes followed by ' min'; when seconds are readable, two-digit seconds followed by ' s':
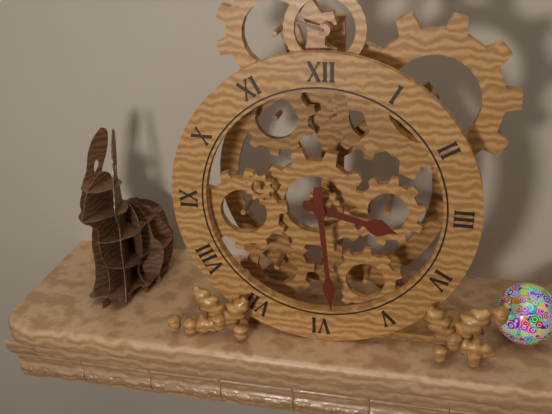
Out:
3 h 29 min
